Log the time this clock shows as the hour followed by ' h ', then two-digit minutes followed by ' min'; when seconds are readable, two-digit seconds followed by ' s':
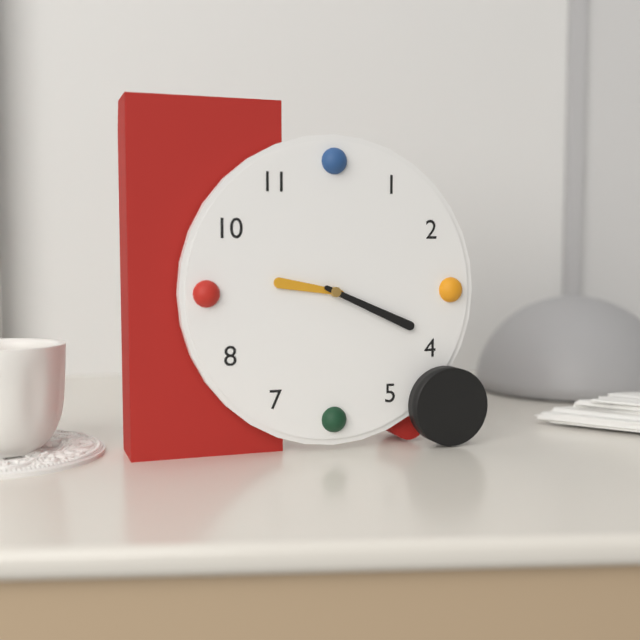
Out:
9 h 19 min
